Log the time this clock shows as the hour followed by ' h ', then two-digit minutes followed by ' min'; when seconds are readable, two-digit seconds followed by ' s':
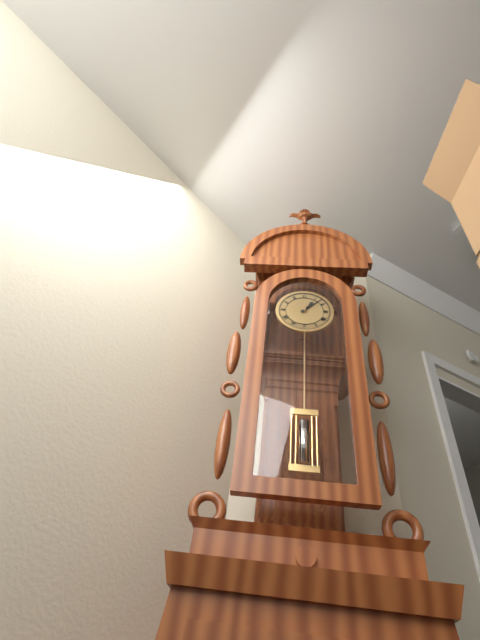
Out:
1 h 08 min
